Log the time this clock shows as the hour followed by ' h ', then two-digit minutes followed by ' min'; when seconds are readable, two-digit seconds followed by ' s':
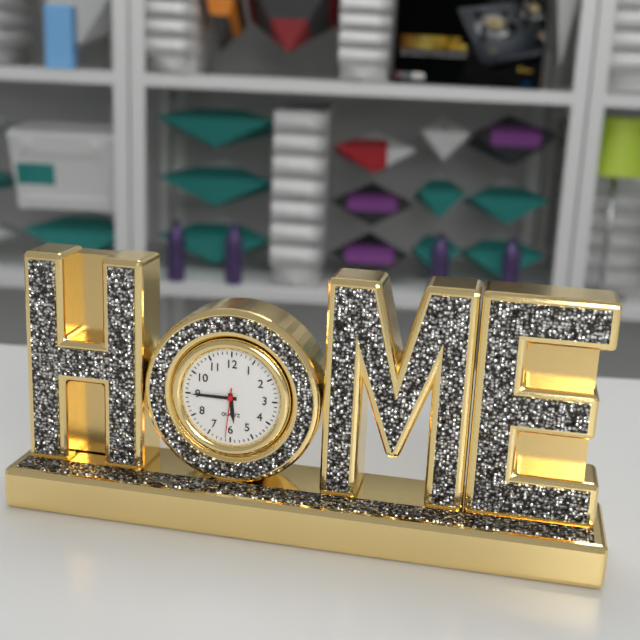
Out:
5 h 45 min
